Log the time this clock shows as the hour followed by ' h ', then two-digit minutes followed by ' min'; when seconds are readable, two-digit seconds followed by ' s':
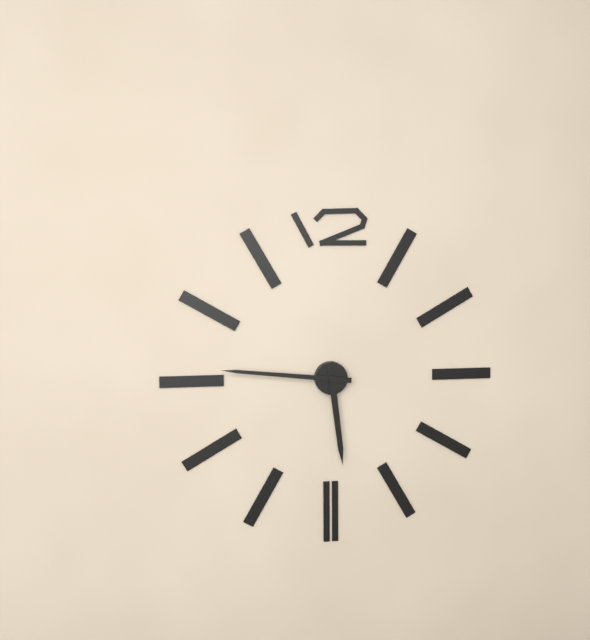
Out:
5 h 46 min
